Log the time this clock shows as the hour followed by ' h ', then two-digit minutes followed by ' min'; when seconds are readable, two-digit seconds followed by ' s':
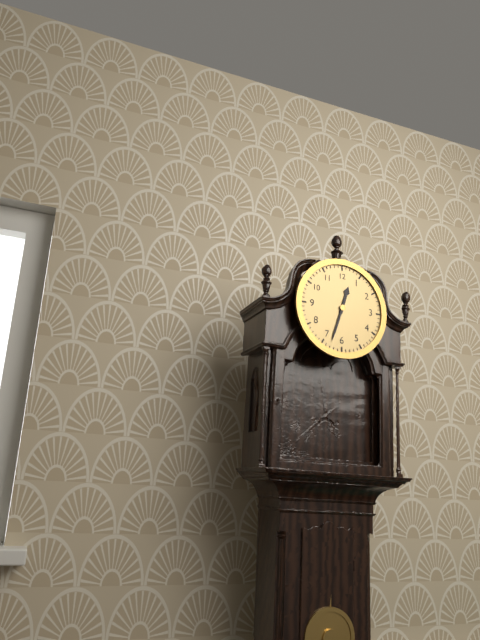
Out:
12 h 33 min
